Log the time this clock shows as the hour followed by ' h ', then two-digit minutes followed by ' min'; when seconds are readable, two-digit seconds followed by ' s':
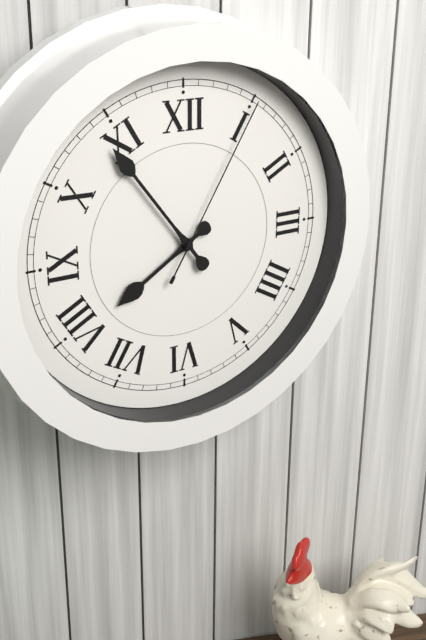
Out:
7 h 54 min 05 s
